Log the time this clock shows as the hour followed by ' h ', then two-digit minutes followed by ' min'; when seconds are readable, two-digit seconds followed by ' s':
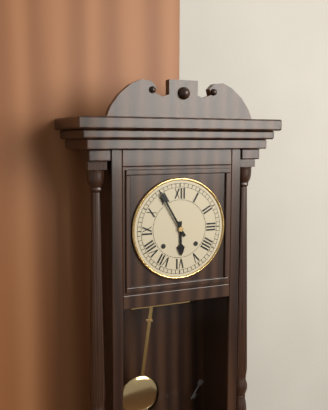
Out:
5 h 55 min
